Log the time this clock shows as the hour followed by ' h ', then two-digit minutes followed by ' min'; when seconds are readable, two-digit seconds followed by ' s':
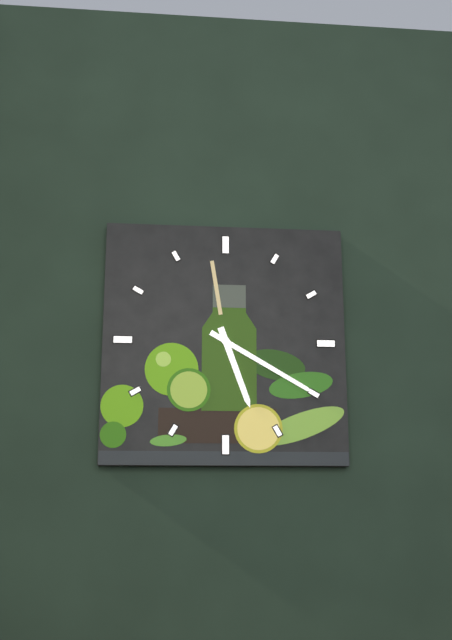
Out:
5 h 20 min
